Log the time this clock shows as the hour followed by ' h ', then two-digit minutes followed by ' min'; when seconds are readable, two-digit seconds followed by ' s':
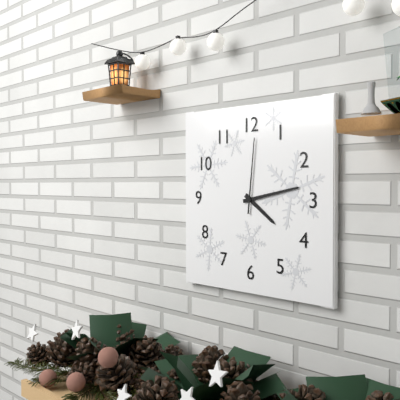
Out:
4 h 13 min 01 s
